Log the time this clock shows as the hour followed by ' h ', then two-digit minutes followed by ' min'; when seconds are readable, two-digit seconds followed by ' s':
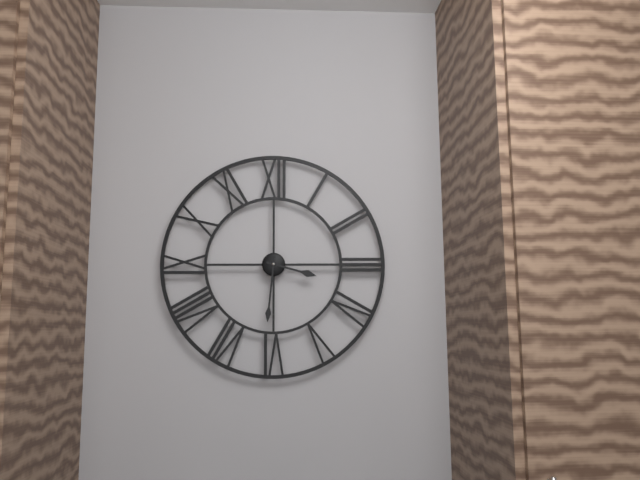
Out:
3 h 31 min
